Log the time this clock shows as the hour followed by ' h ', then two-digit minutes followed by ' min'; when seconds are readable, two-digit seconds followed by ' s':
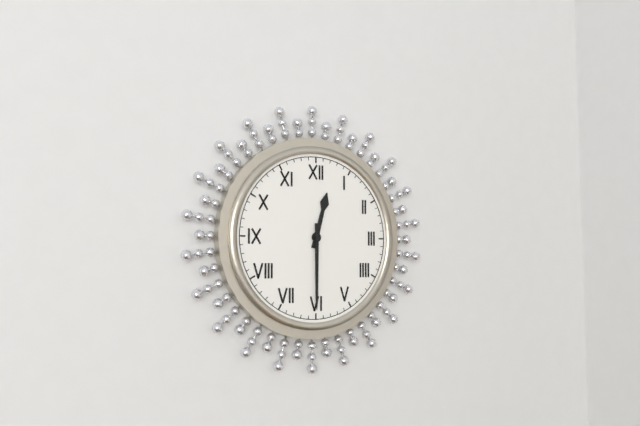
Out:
12 h 30 min
